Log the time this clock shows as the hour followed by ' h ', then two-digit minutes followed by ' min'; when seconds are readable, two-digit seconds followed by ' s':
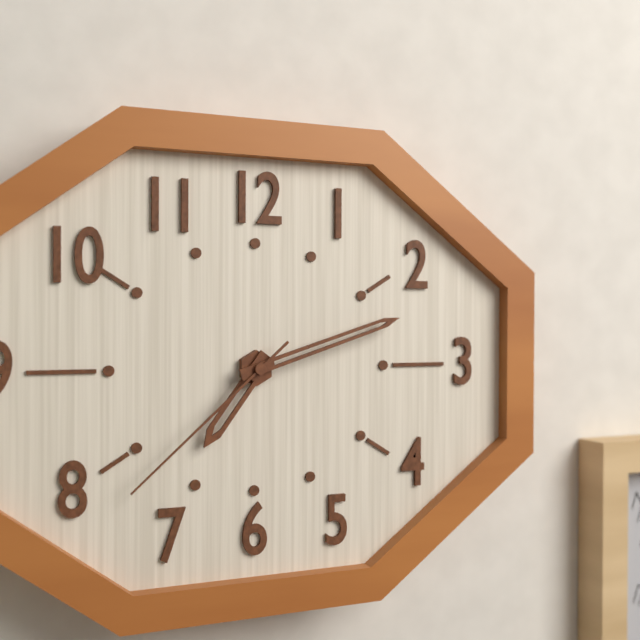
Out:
7 h 12 min 38 s
